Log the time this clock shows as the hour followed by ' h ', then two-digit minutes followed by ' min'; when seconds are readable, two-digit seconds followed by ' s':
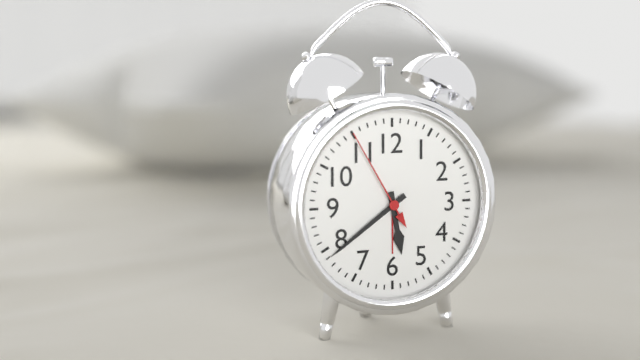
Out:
5 h 39 min 55 s
